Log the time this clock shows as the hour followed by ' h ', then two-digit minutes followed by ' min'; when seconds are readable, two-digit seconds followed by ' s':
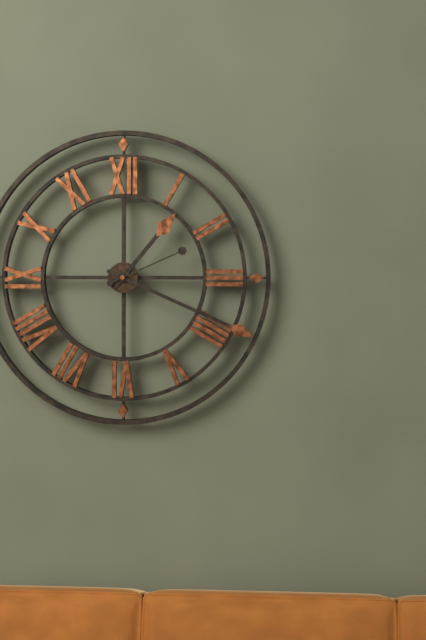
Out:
1 h 19 min 11 s
